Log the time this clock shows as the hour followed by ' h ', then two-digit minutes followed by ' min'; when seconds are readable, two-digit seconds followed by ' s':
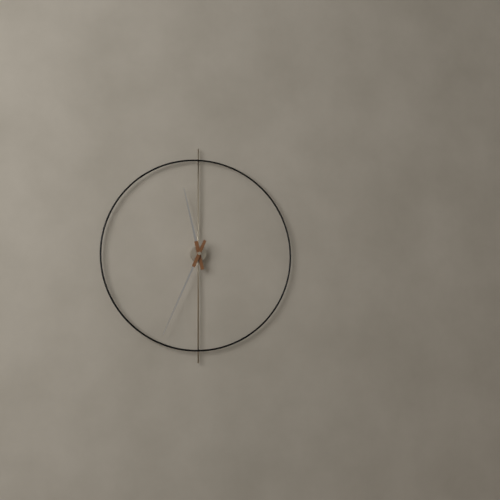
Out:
11 h 34 min
